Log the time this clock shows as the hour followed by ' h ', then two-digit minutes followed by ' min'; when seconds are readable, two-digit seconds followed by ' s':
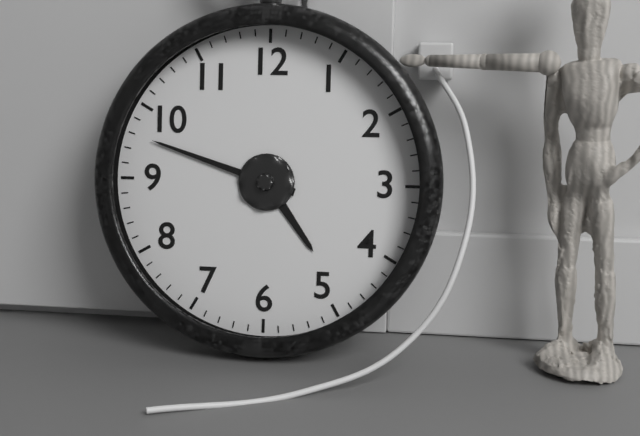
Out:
4 h 48 min
